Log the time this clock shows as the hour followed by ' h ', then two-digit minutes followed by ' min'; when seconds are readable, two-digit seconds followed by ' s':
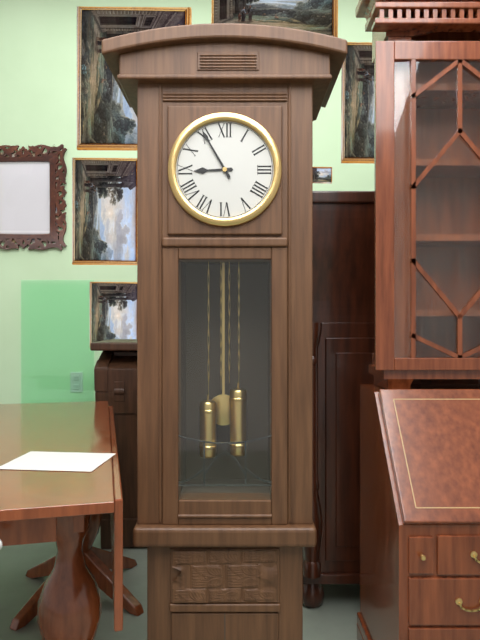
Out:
8 h 55 min
